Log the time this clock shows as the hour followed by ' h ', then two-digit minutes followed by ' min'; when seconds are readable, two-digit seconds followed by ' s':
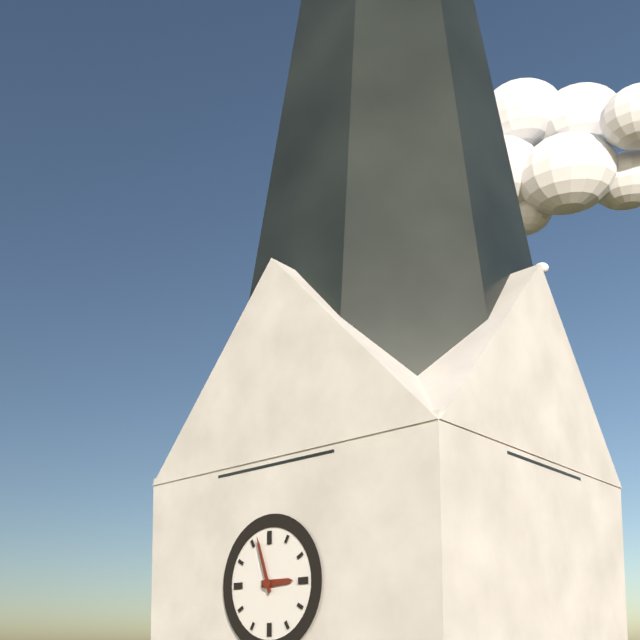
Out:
2 h 57 min
